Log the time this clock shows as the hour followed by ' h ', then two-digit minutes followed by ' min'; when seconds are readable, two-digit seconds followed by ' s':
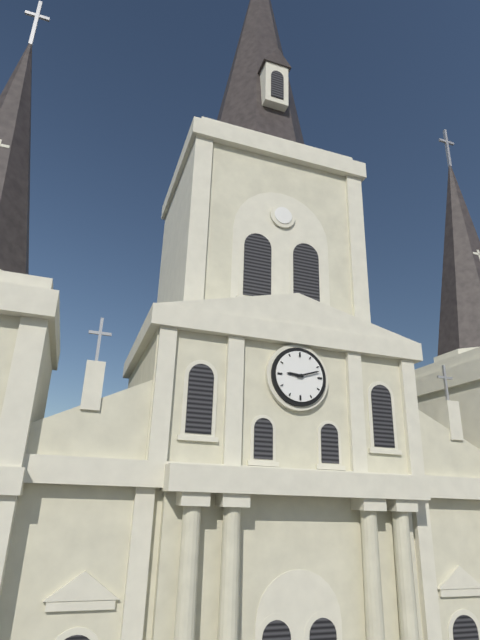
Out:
9 h 12 min
